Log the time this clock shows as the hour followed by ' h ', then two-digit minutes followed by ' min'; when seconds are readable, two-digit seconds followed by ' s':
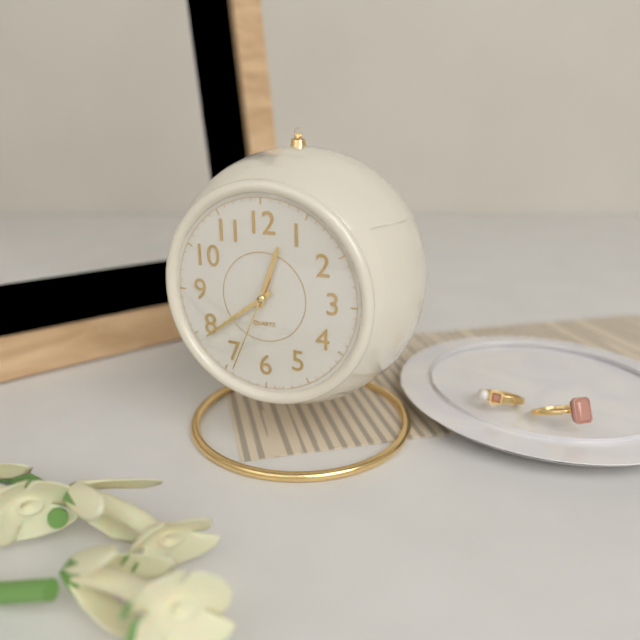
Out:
12 h 39 min 34 s
